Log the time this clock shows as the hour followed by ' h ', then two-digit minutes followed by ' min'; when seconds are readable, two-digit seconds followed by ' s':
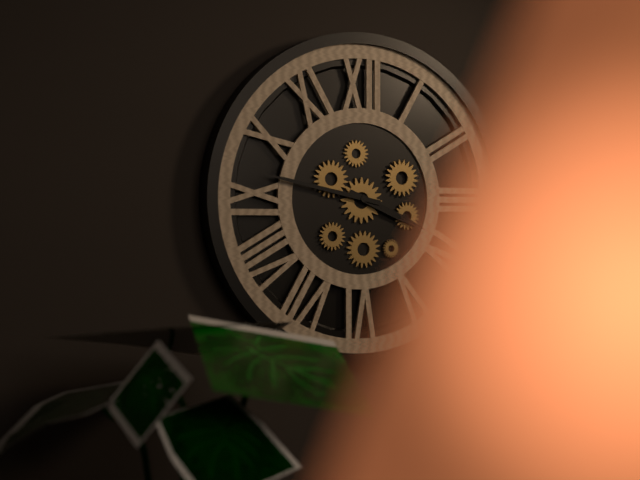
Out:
3 h 47 min
